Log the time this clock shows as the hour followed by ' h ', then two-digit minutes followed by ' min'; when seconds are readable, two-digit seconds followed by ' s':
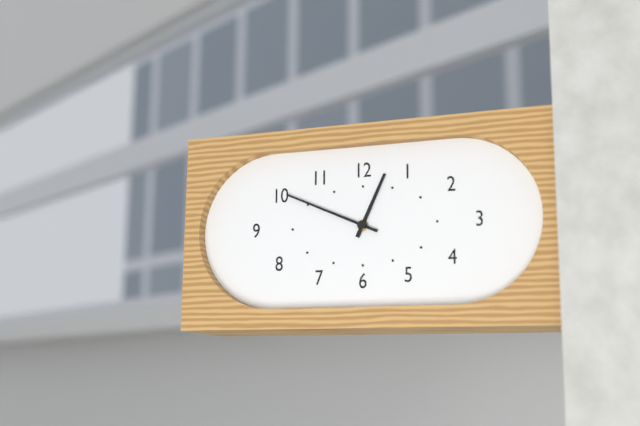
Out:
12 h 49 min
